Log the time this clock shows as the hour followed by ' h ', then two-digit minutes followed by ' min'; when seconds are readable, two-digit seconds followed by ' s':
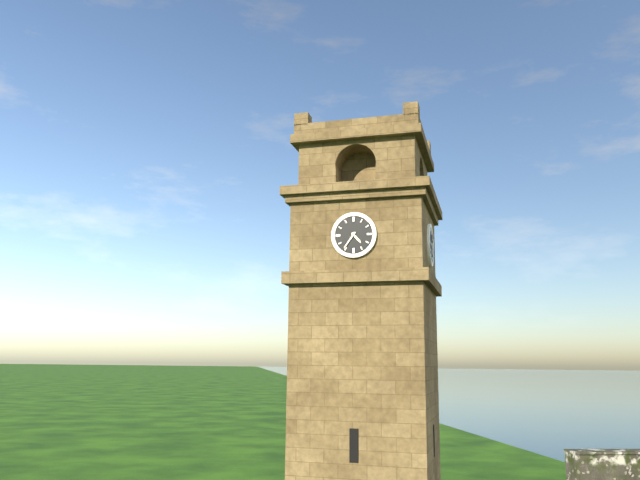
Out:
4 h 36 min
